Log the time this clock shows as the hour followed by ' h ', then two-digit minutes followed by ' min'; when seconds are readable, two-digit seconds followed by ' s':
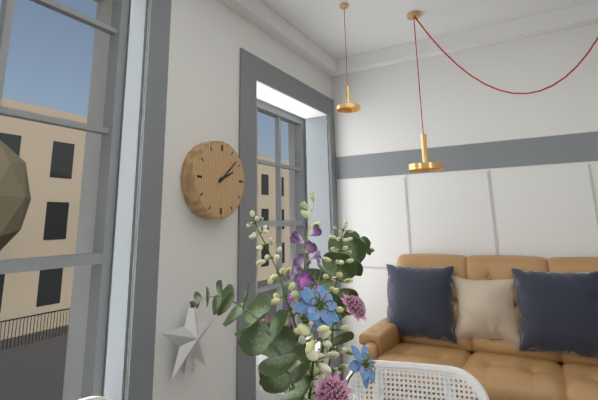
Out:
2 h 08 min
